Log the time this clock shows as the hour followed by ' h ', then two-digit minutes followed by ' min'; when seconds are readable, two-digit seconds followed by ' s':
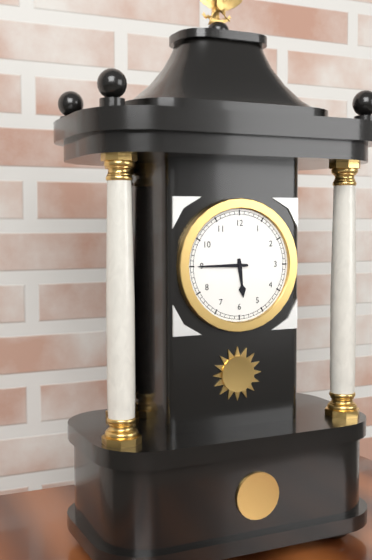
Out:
5 h 45 min
